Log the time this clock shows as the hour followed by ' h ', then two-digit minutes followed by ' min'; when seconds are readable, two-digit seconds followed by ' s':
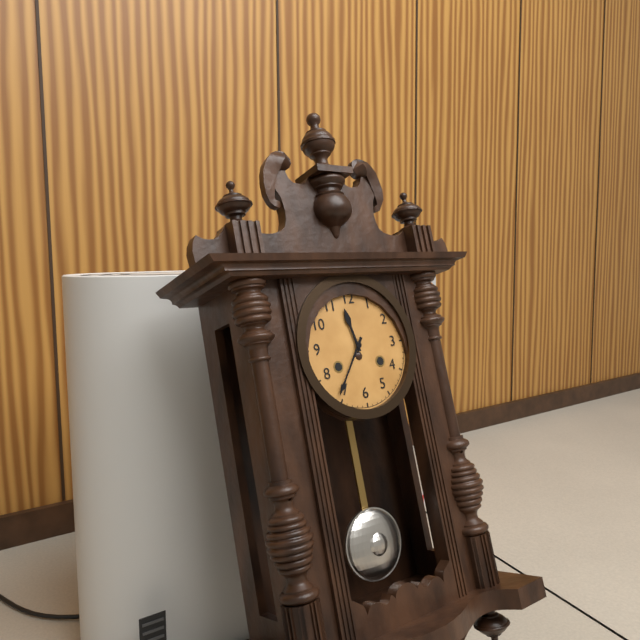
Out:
11 h 36 min
